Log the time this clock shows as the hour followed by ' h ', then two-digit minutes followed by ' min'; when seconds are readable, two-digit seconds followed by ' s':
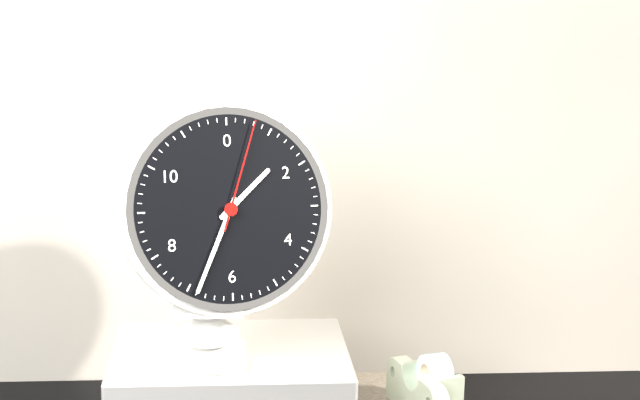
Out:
1 h 34 min 03 s
